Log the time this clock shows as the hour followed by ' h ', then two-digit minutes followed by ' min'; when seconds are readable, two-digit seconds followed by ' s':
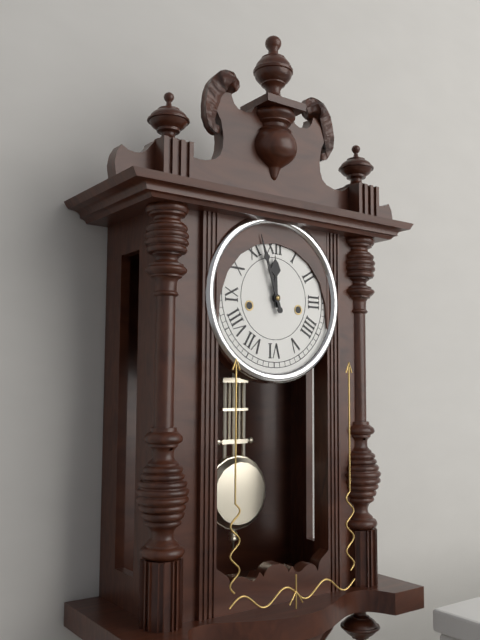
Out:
11 h 57 min
